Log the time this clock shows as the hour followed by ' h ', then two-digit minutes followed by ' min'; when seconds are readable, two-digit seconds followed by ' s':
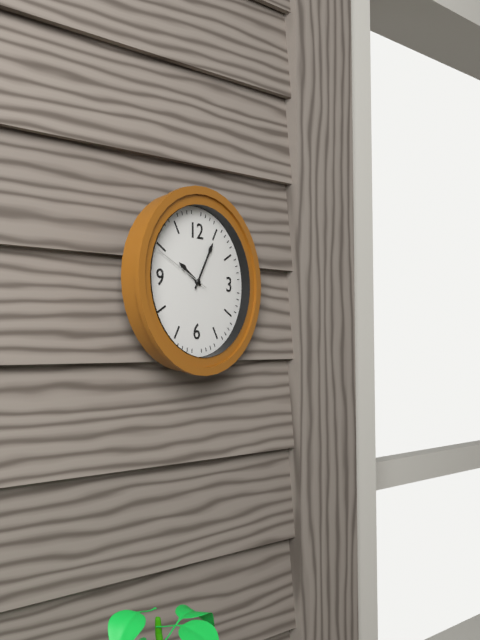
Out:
10 h 05 min 49 s
